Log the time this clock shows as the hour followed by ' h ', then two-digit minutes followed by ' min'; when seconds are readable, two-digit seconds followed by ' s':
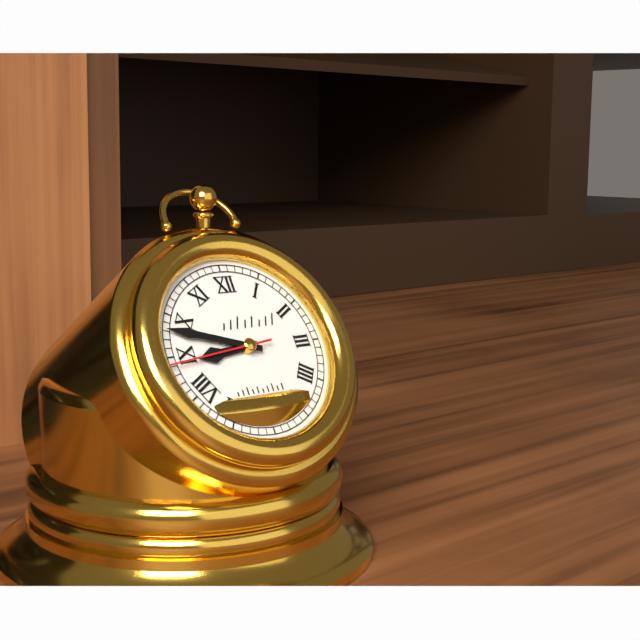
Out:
8 h 48 min 44 s
